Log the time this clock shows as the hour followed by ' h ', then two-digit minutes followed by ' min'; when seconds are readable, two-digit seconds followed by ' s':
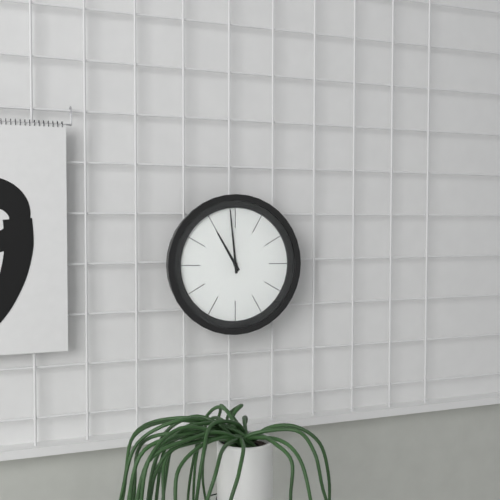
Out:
10 h 59 min
